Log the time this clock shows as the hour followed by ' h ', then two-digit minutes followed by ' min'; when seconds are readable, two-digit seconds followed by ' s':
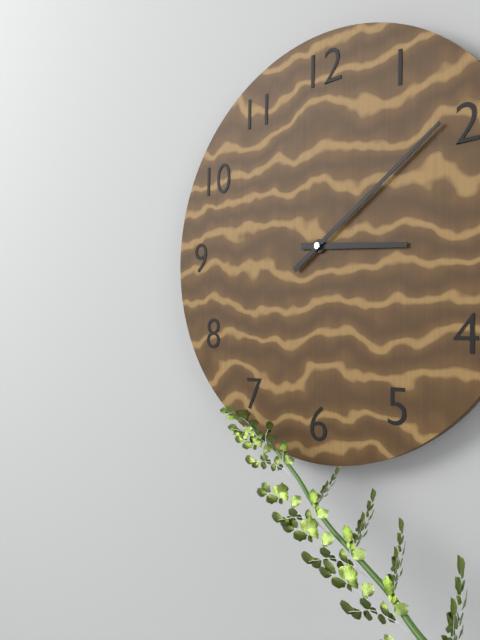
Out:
3 h 09 min
